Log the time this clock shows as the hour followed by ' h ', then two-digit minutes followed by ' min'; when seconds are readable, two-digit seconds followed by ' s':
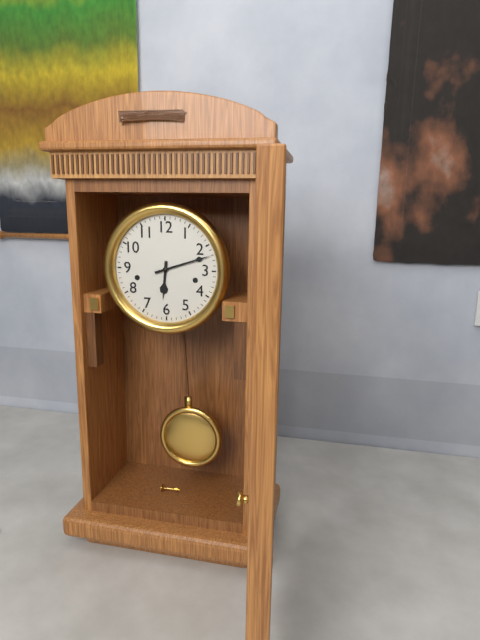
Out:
6 h 12 min
